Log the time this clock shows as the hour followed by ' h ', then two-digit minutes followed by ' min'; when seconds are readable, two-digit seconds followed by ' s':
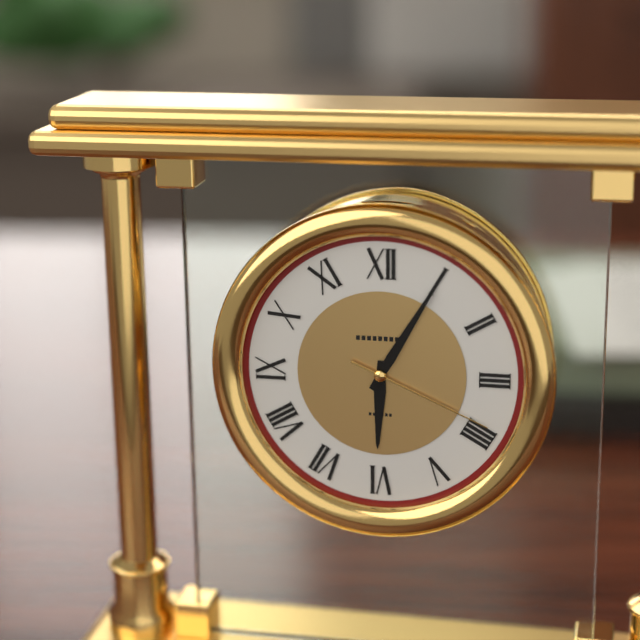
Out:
6 h 05 min 19 s
